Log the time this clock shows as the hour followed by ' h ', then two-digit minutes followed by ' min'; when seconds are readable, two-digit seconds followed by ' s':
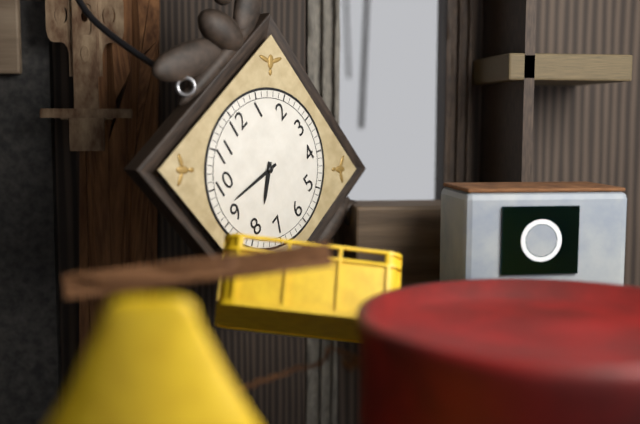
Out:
7 h 47 min
